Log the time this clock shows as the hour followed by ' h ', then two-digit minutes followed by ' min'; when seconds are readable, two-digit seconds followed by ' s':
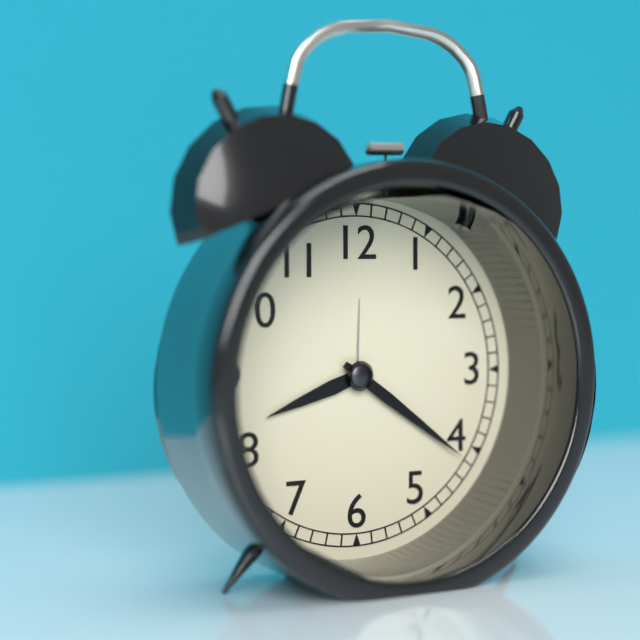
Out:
8 h 21 min
